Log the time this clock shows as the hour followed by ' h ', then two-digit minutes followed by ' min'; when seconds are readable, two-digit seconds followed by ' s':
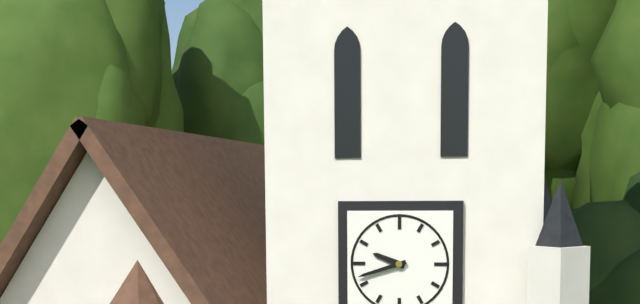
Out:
9 h 42 min
